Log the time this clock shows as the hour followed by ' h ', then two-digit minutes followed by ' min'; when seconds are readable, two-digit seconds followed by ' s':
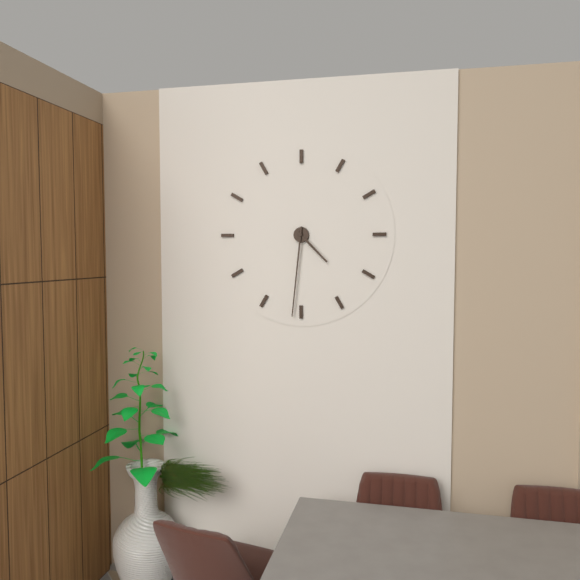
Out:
4 h 31 min
